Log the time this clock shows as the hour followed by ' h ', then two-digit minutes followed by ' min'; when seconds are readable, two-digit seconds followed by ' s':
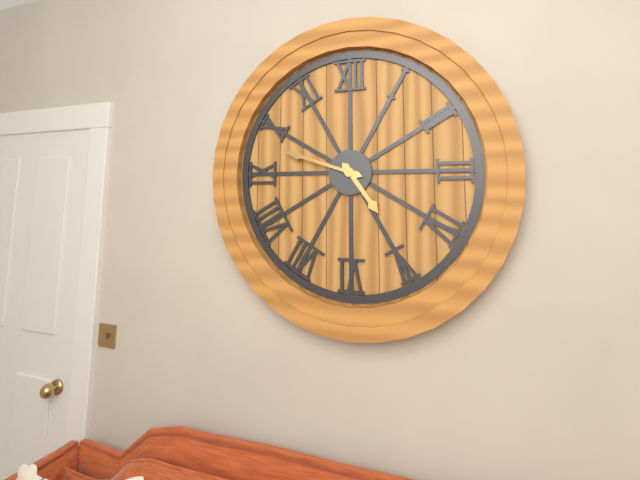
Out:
4 h 48 min
